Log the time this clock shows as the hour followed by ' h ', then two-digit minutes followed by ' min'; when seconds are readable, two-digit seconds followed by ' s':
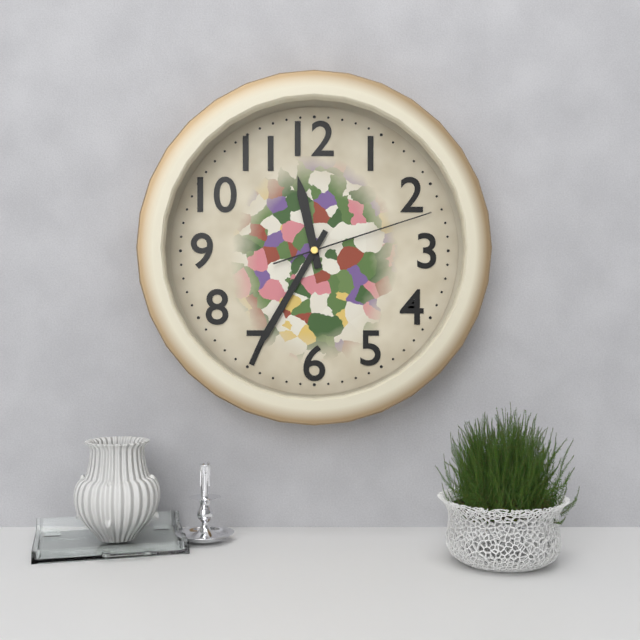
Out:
11 h 35 min 12 s
